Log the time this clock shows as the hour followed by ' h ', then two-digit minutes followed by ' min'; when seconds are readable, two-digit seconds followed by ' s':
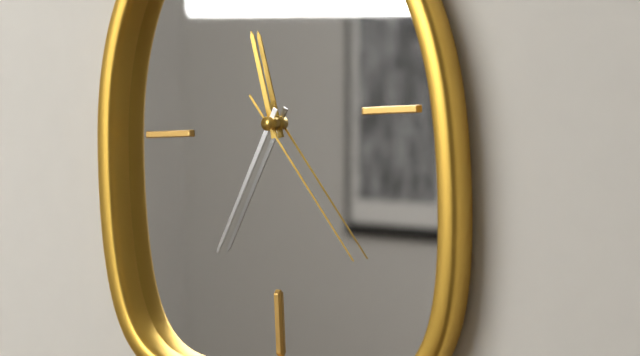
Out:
11 h 35 min 24 s
